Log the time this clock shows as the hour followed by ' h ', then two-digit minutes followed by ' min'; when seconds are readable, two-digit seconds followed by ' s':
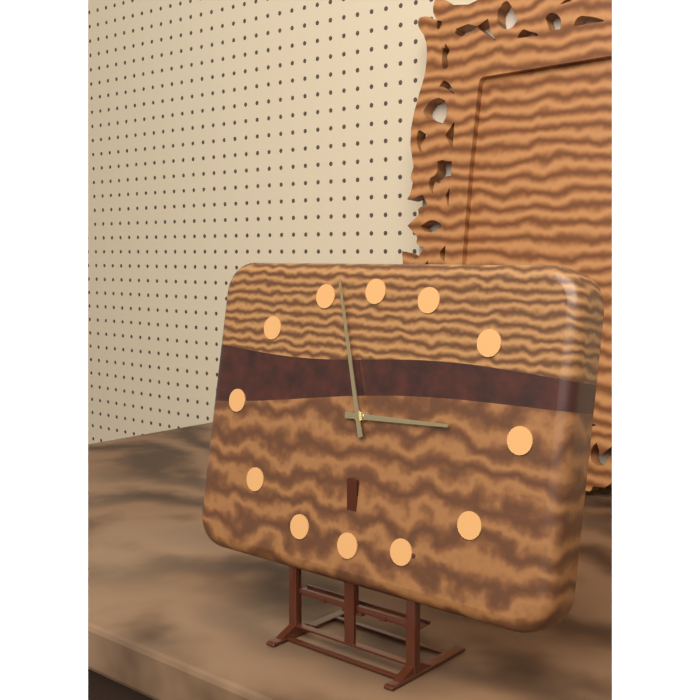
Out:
2 h 57 min
